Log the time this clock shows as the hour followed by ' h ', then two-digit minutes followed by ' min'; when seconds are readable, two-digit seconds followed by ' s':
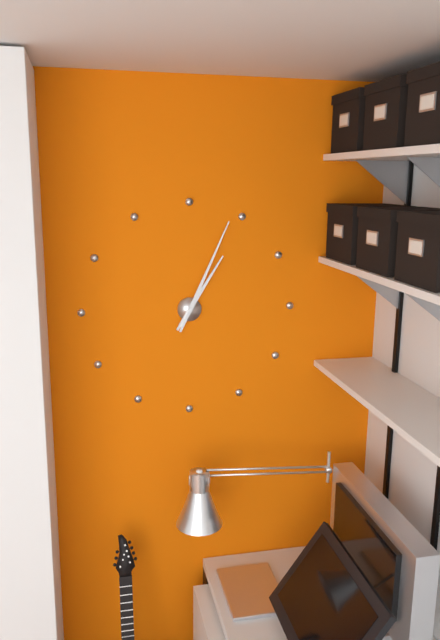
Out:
1 h 04 min
